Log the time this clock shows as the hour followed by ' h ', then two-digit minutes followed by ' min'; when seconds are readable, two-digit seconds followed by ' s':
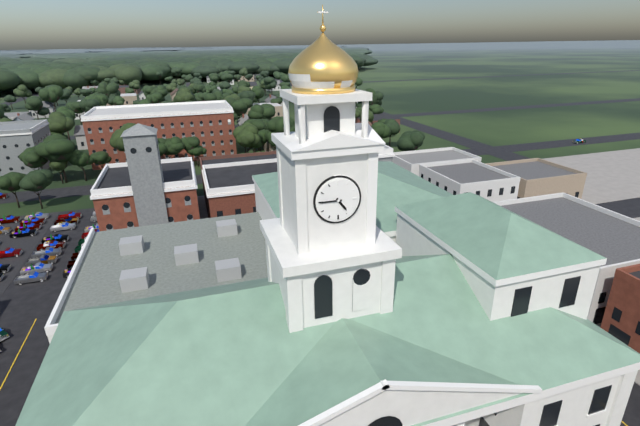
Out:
4 h 45 min
